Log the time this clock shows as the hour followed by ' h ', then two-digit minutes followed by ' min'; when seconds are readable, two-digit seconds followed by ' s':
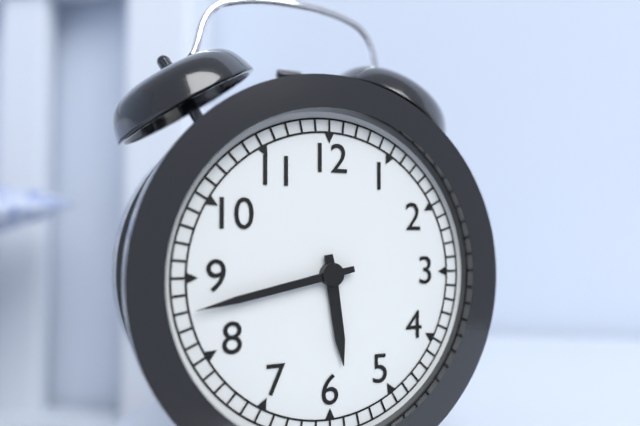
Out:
5 h 43 min
